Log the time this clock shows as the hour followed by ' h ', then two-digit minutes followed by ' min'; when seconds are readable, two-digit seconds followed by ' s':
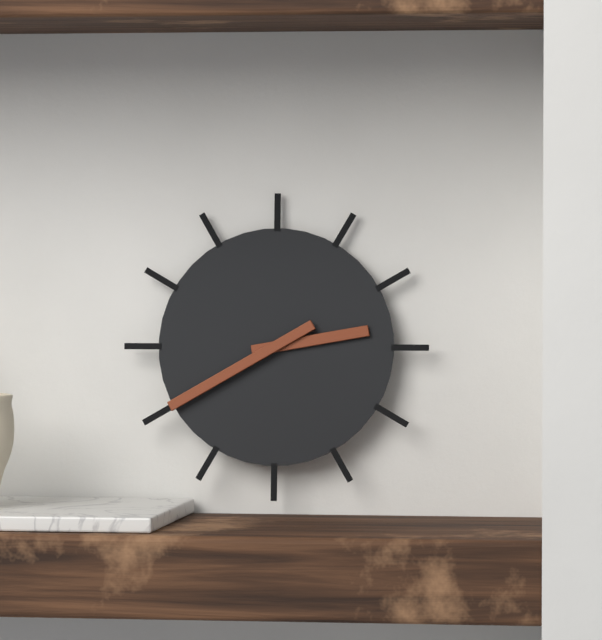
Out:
2 h 40 min
